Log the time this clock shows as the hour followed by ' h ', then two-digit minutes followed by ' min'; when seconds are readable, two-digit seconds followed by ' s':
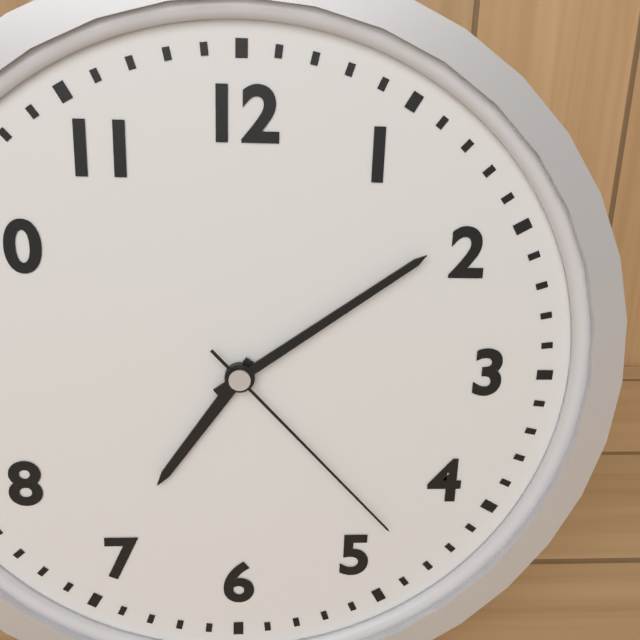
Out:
7 h 09 min 23 s
